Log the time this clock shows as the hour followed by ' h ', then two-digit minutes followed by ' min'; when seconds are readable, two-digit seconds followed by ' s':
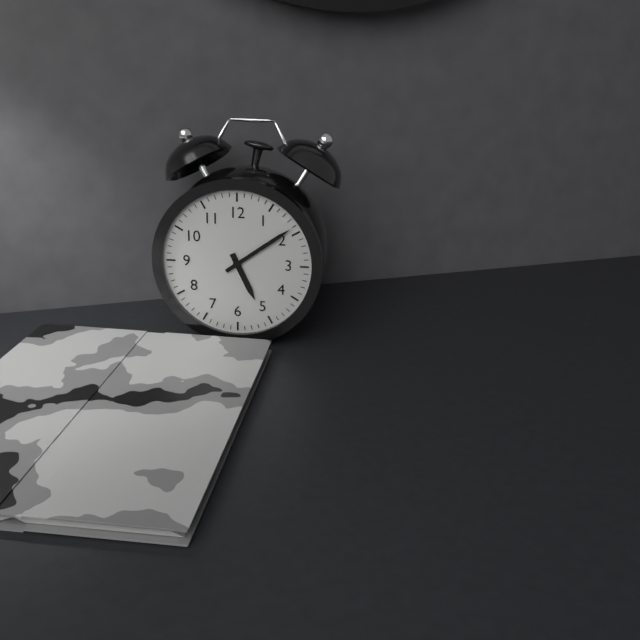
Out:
5 h 09 min
